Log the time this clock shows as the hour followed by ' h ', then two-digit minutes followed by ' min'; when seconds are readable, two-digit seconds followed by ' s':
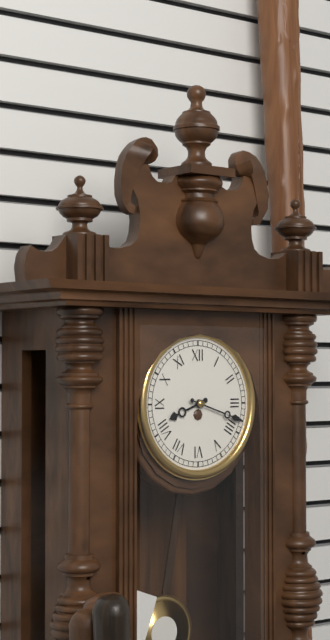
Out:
8 h 18 min
